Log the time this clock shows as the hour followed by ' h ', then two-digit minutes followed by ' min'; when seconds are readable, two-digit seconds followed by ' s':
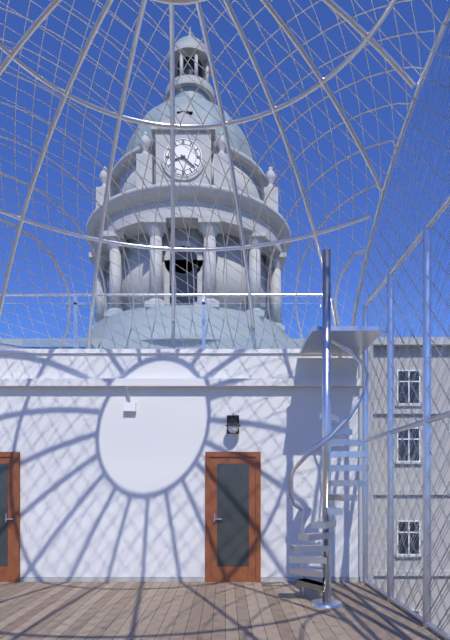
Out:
8 h 22 min
